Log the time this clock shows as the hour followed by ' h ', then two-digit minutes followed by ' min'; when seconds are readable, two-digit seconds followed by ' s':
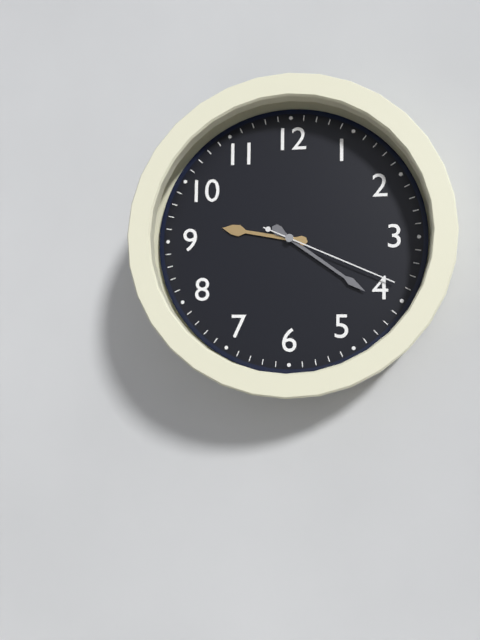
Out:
9 h 21 min 19 s
